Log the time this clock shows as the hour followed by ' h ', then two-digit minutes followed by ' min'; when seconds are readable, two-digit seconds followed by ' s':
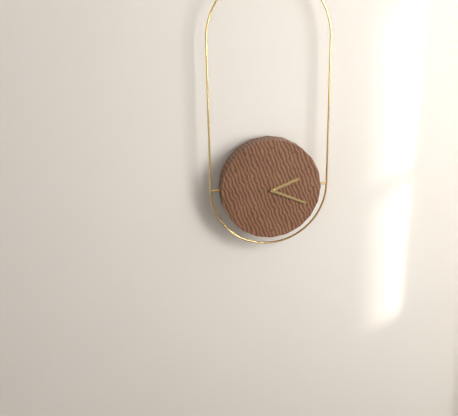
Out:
2 h 19 min
